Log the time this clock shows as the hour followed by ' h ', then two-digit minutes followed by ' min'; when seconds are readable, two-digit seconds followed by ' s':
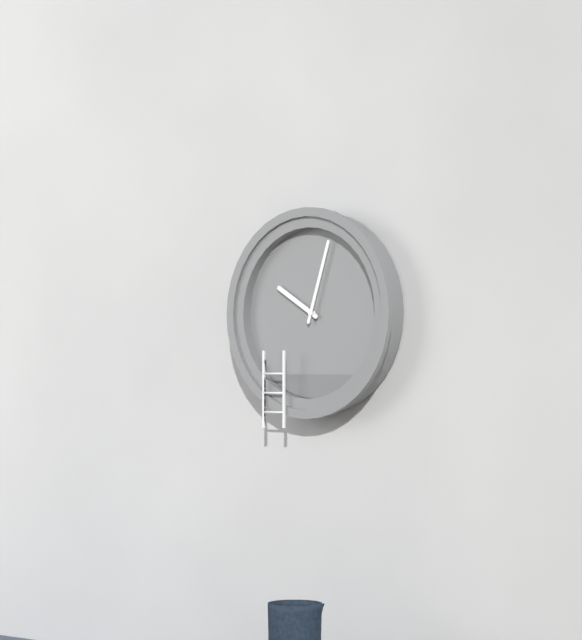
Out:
10 h 03 min
